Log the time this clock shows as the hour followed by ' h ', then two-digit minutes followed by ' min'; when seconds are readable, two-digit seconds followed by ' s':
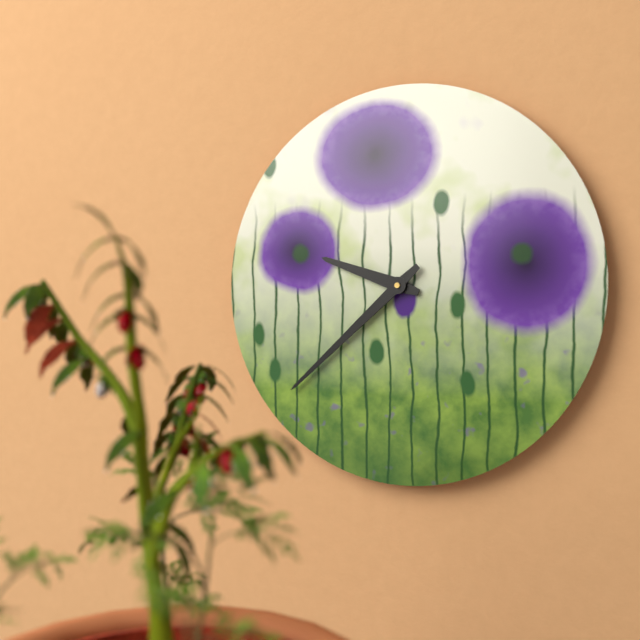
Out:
9 h 38 min
